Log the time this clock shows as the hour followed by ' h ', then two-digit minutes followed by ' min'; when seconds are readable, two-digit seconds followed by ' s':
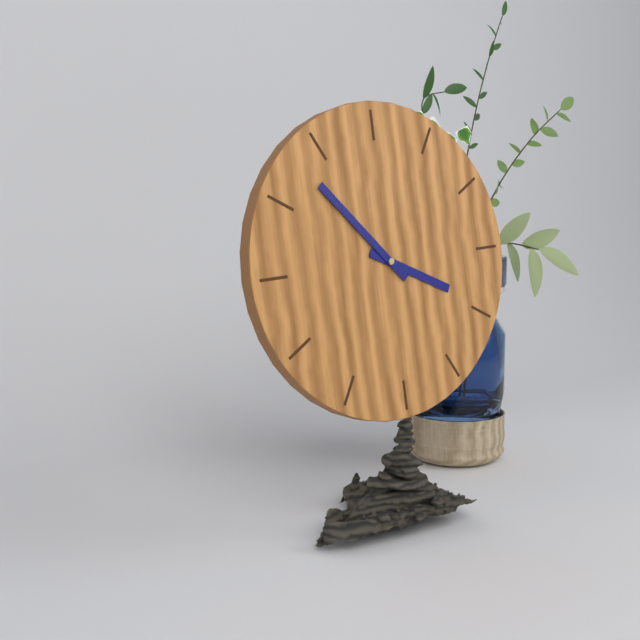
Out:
3 h 53 min
